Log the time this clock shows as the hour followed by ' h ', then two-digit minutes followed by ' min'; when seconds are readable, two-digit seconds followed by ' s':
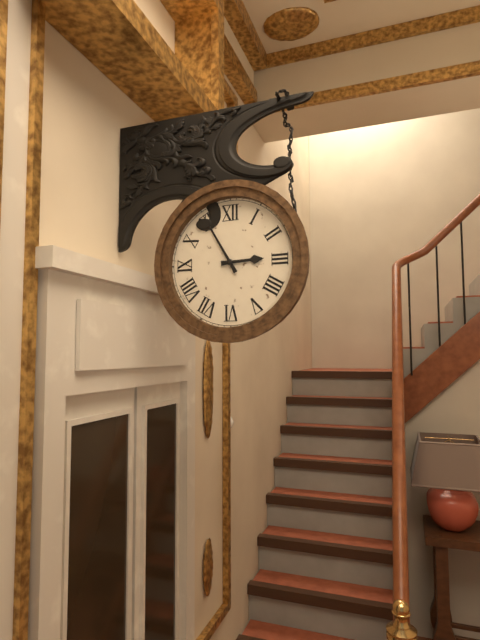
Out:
2 h 55 min
